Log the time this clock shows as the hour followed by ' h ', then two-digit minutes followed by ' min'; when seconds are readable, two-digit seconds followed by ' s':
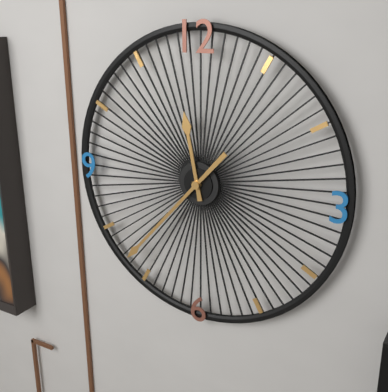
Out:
11 h 37 min
